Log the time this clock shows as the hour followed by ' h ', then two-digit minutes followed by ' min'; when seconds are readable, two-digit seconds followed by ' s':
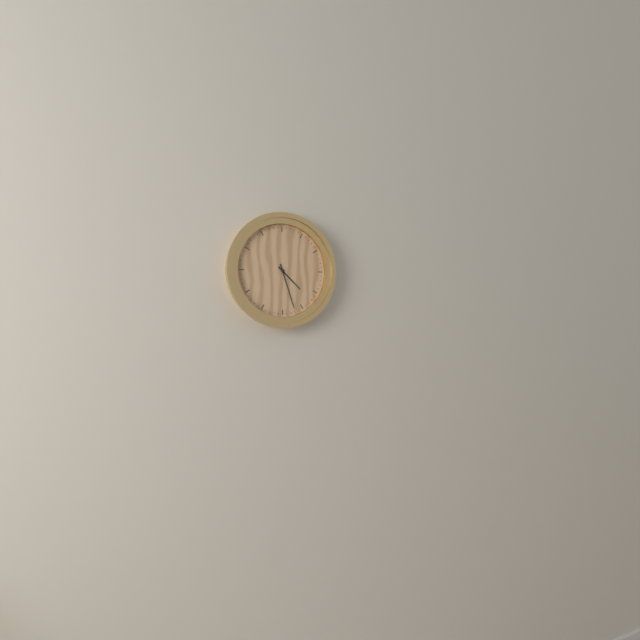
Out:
4 h 27 min
